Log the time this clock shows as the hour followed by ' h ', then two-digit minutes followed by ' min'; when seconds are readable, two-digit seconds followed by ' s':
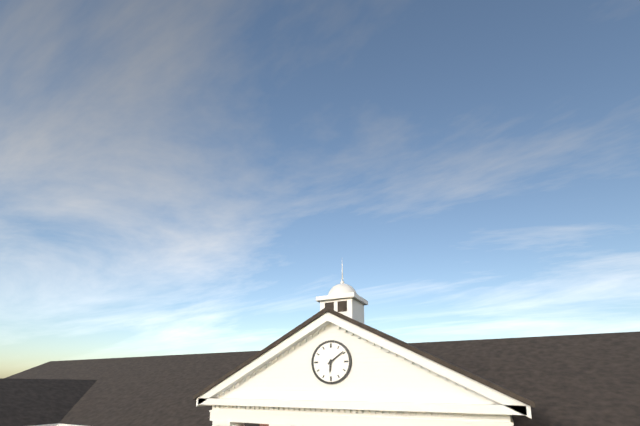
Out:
6 h 09 min
